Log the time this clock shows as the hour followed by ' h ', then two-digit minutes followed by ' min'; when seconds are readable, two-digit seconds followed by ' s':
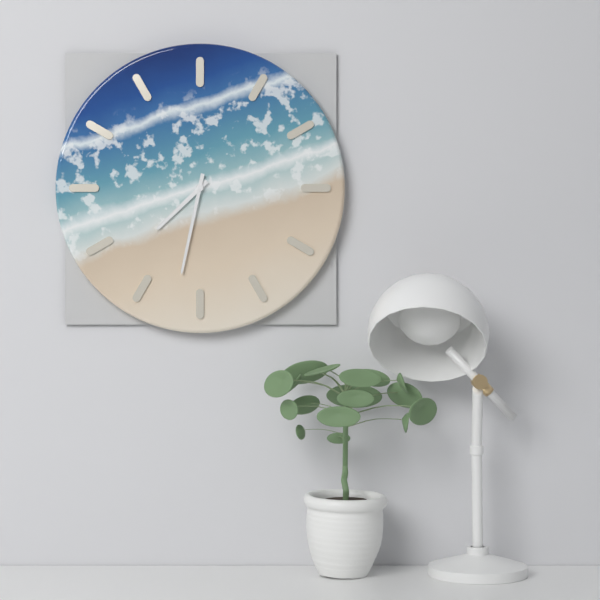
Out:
7 h 32 min
